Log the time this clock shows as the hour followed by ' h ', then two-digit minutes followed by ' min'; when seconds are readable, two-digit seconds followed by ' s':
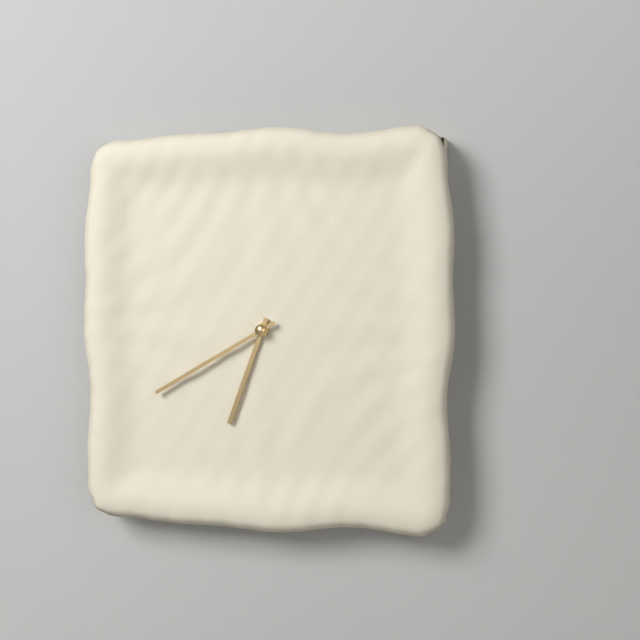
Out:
6 h 40 min
